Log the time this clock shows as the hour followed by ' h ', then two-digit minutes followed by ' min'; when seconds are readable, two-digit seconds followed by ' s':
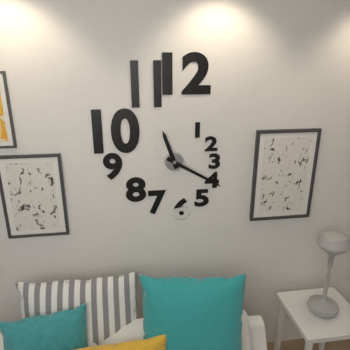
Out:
11 h 20 min
